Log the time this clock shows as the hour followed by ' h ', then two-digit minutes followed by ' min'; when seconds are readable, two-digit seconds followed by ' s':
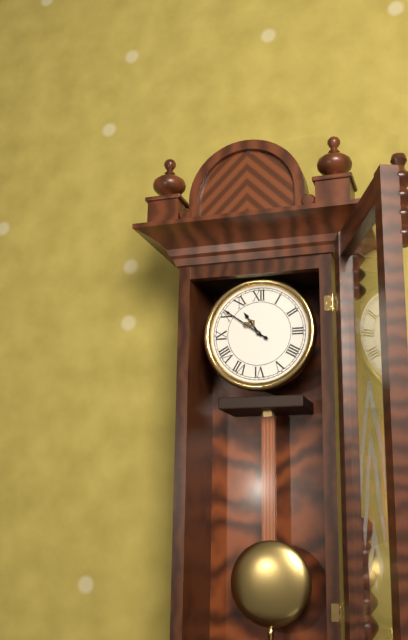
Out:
10 h 51 min
